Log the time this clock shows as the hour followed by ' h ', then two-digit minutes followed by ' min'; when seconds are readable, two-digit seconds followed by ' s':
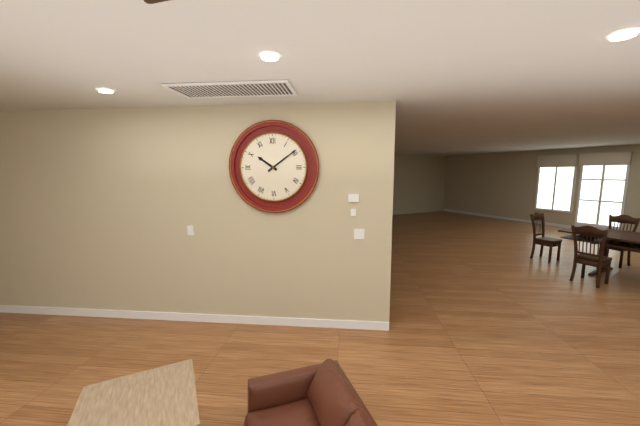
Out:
10 h 09 min
